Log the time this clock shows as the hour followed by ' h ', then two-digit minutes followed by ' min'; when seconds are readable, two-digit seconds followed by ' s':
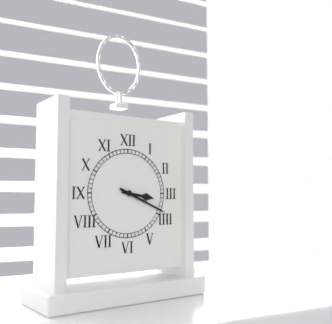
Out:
3 h 19 min
